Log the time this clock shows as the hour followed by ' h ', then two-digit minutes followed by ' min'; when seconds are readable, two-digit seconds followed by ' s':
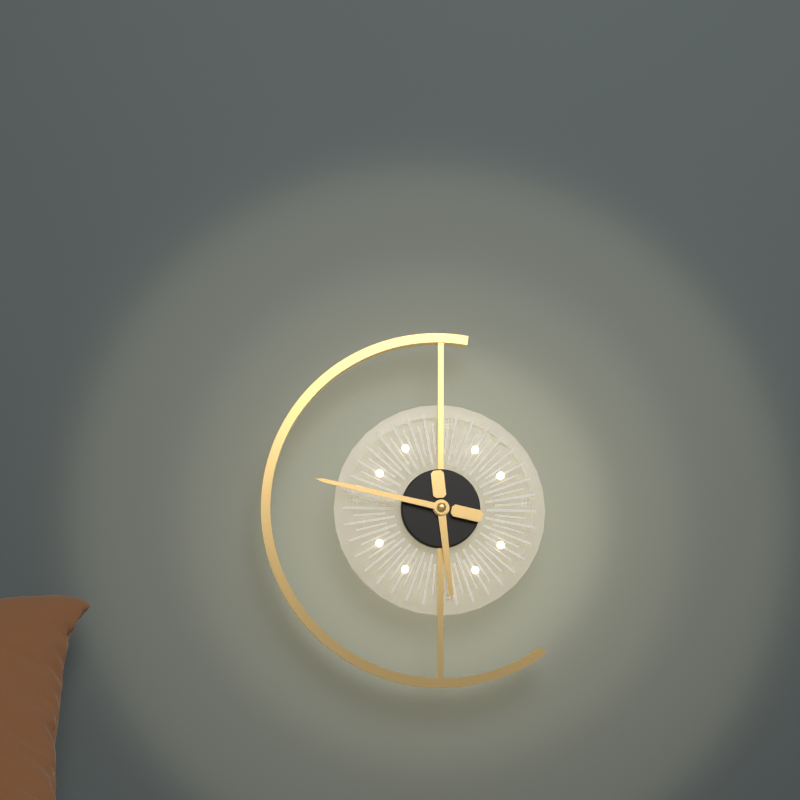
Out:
5 h 47 min
